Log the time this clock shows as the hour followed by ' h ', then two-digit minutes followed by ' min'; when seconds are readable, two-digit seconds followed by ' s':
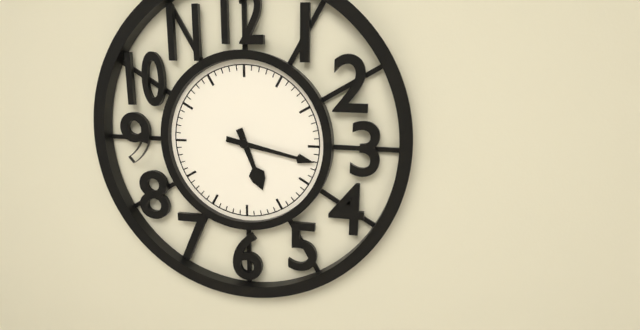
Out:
5 h 17 min
